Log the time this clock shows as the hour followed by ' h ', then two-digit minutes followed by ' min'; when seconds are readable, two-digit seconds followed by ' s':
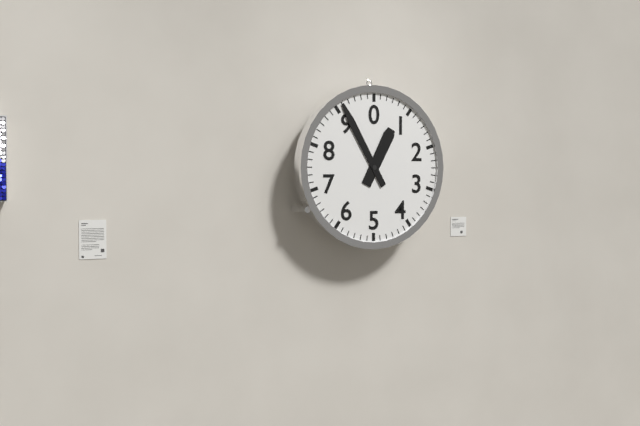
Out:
12 h 55 min
